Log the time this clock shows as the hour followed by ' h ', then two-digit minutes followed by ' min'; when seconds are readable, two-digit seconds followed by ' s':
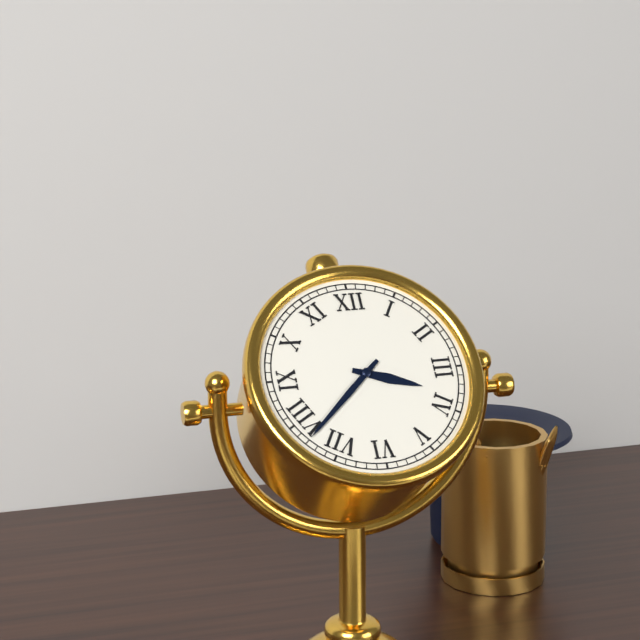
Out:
3 h 38 min
